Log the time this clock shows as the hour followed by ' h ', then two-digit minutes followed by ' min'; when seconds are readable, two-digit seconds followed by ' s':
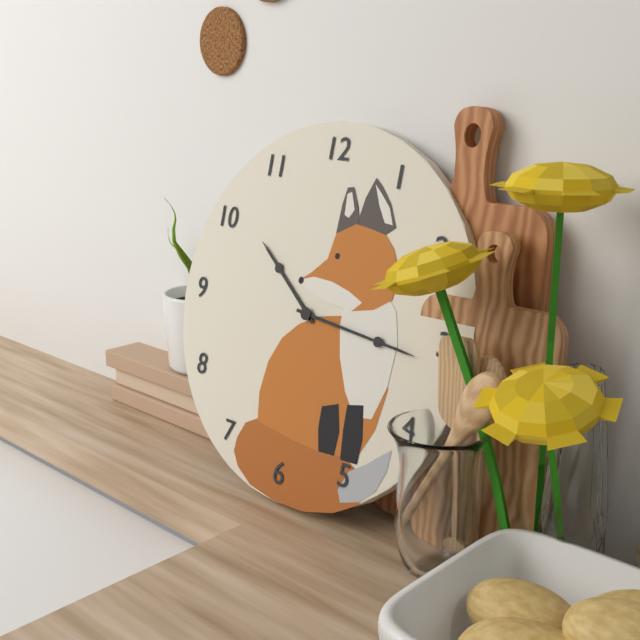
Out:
10 h 16 min
